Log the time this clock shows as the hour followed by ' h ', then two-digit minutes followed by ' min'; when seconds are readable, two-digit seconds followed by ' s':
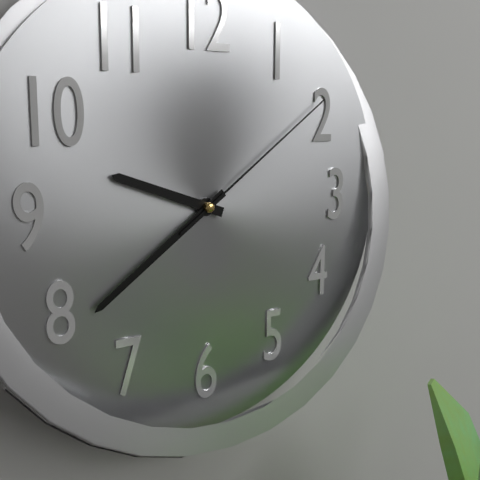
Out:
9 h 39 min 09 s
